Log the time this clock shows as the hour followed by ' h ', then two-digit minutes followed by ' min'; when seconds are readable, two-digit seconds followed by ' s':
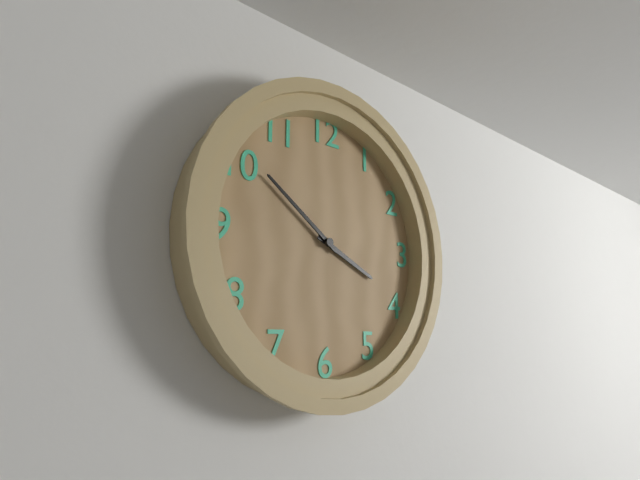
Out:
3 h 51 min
